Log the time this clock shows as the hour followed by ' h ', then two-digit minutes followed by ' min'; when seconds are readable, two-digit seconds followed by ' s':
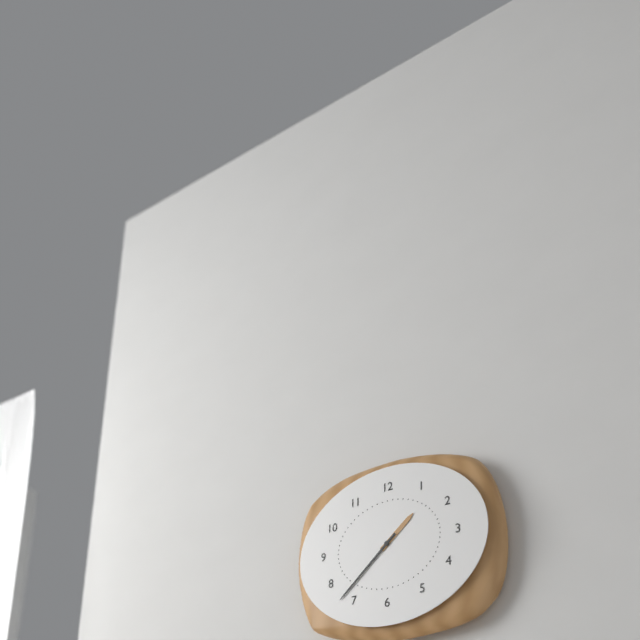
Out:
1 h 38 min
